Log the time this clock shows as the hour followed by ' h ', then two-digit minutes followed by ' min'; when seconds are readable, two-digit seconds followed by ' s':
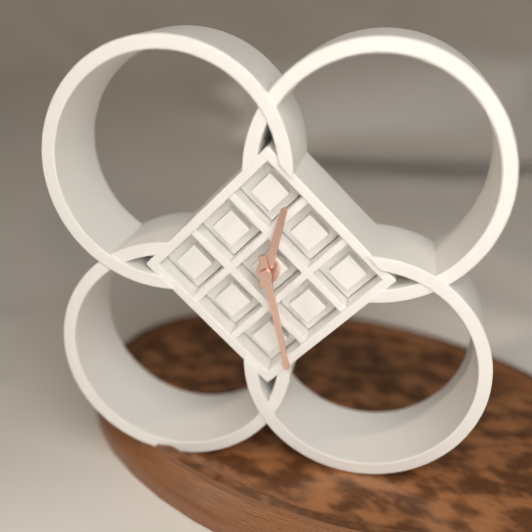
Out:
12 h 28 min
